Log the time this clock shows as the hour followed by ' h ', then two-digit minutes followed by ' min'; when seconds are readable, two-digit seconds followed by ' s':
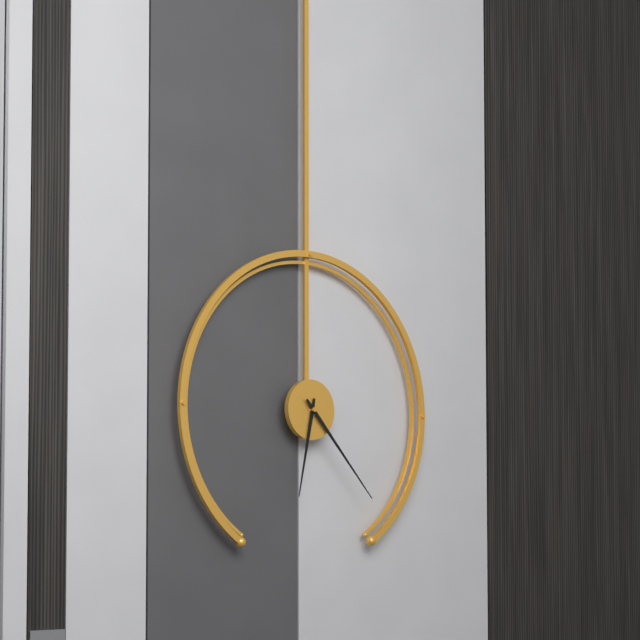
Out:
6 h 23 min
